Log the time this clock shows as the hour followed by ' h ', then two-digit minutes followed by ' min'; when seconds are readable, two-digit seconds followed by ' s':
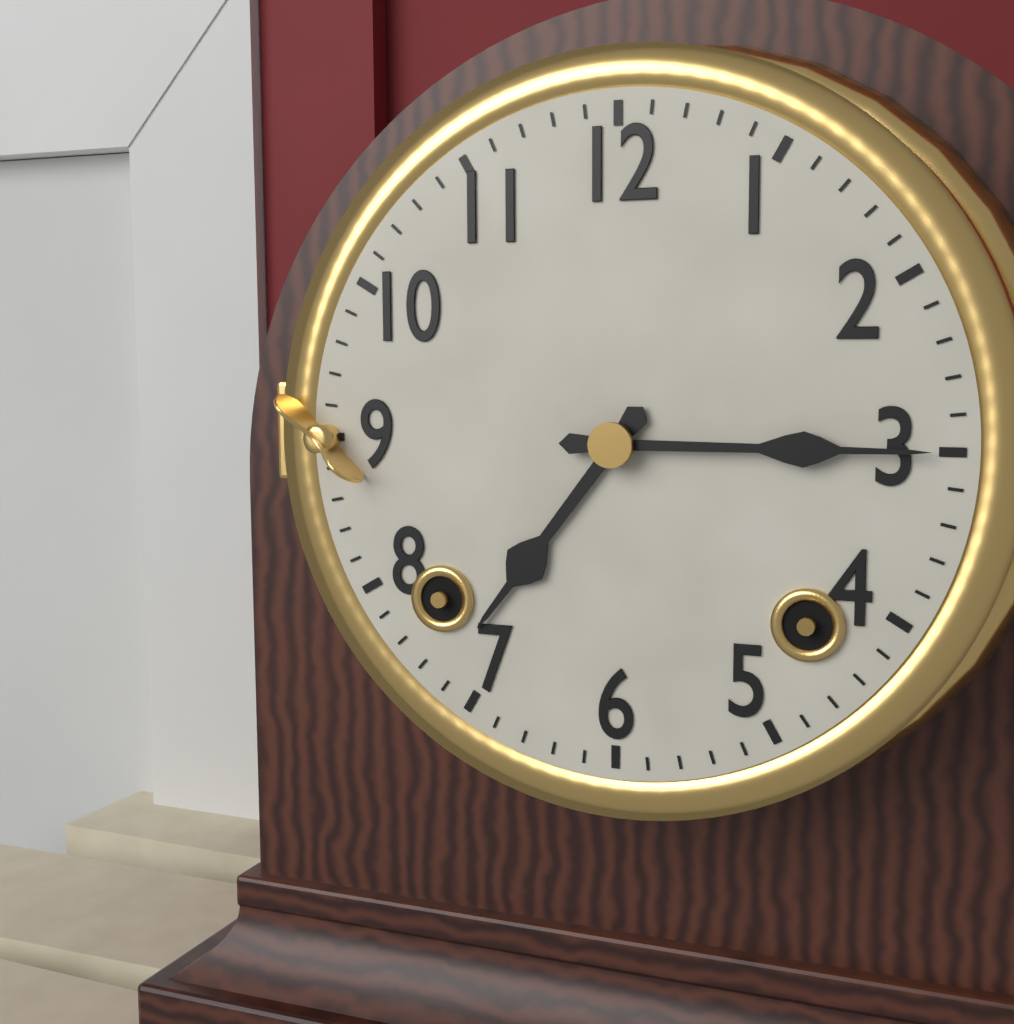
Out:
7 h 15 min
